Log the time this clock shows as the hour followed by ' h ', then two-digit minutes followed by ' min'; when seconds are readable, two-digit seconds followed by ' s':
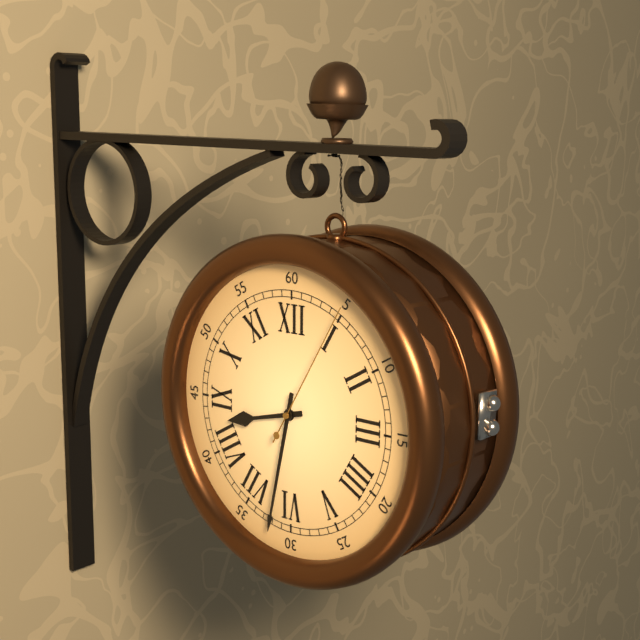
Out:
8 h 32 min 05 s
